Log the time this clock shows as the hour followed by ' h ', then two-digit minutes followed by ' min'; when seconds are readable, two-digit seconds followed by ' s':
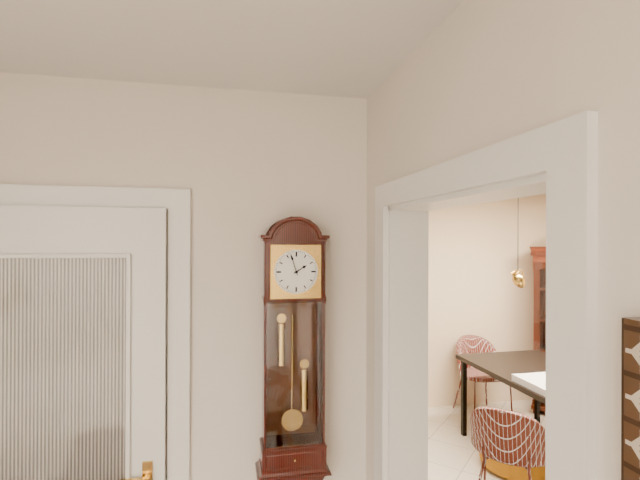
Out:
1 h 57 min
